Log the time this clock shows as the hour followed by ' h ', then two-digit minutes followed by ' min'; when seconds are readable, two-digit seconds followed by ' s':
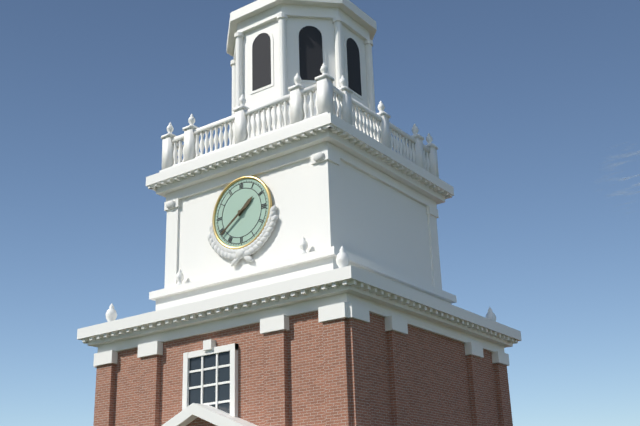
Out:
1 h 39 min
